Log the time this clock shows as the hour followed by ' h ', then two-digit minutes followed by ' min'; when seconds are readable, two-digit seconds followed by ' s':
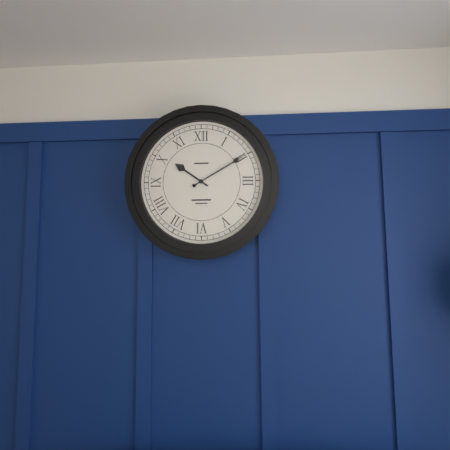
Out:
10 h 10 min
